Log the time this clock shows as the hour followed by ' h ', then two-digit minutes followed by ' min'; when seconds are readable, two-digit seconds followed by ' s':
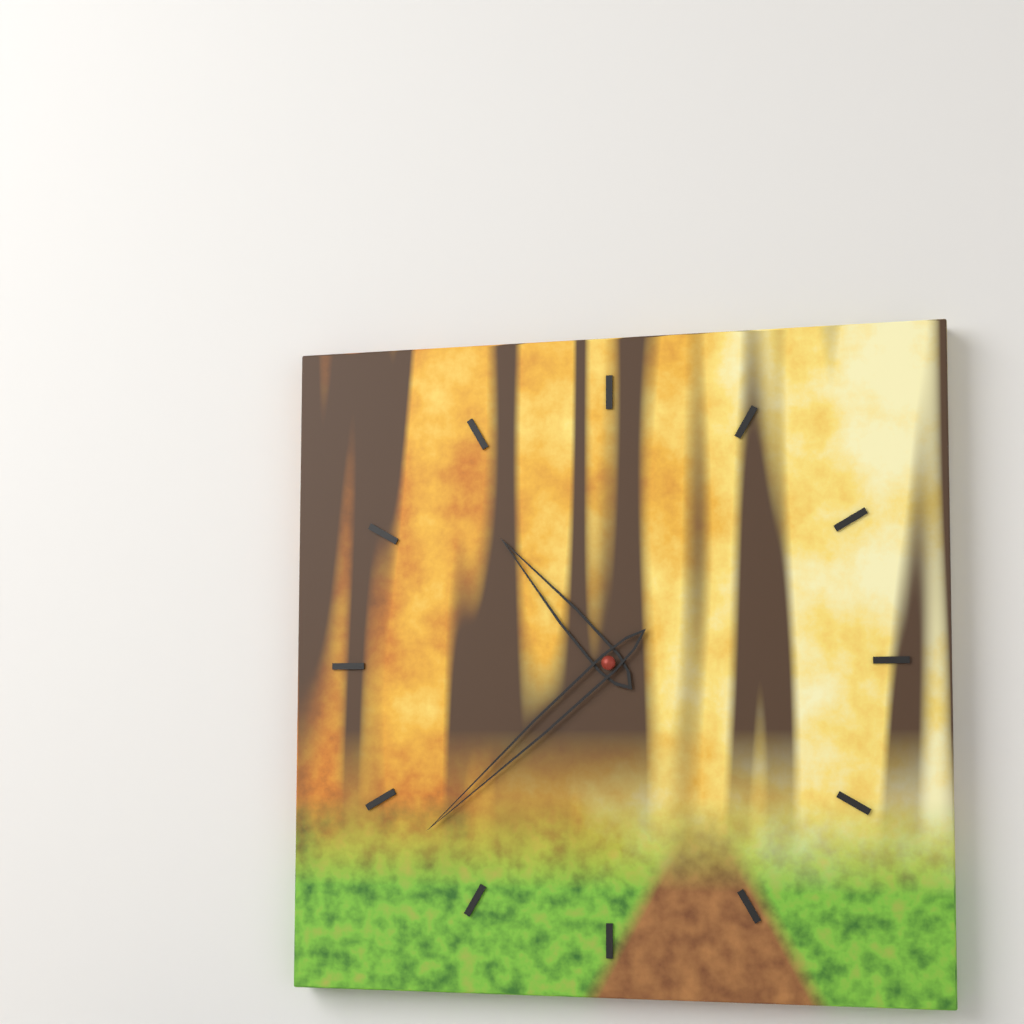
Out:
10 h 38 min
